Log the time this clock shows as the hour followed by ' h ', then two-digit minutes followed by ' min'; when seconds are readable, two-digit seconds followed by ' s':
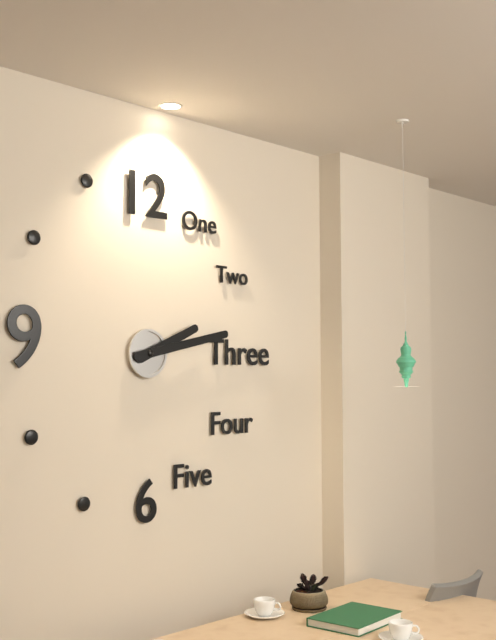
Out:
2 h 13 min
